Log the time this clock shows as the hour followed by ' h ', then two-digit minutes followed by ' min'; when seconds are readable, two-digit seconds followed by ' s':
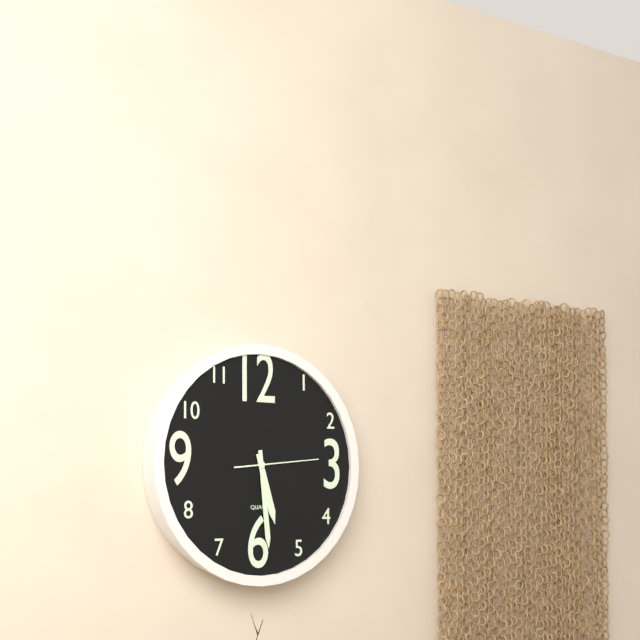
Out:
5 h 29 min 14 s
